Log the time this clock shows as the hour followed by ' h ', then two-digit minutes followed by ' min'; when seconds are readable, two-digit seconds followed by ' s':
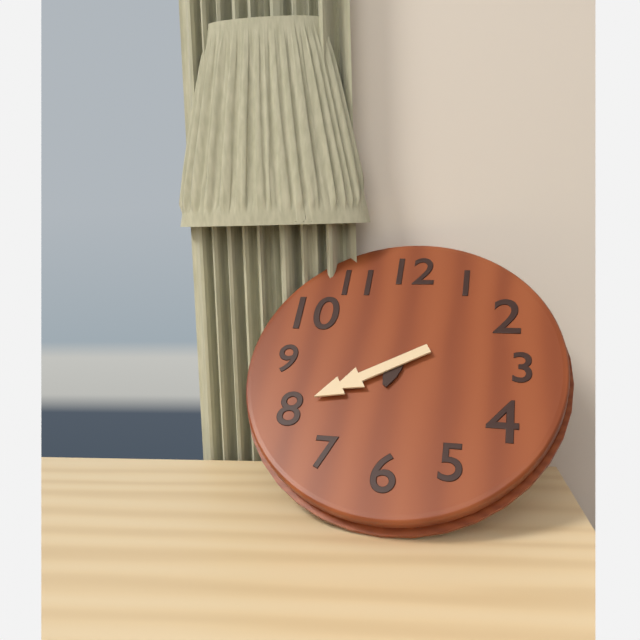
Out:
6 h 40 min
